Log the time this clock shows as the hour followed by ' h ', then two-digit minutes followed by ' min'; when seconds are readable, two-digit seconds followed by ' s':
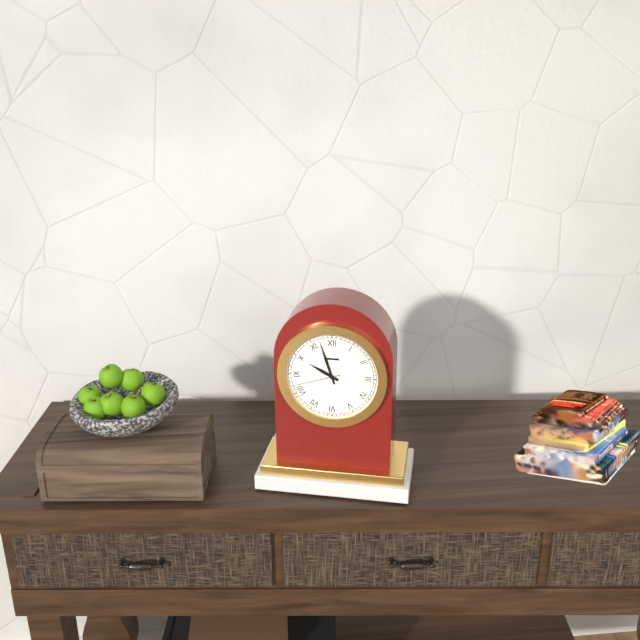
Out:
9 h 57 min 42 s
